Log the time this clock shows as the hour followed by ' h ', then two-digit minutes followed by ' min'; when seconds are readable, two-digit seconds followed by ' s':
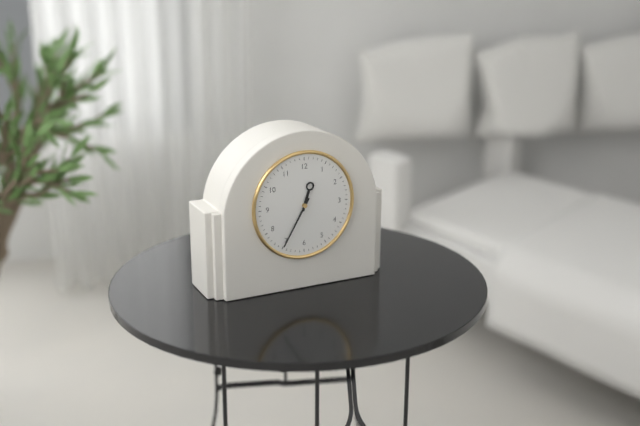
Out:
12 h 35 min
